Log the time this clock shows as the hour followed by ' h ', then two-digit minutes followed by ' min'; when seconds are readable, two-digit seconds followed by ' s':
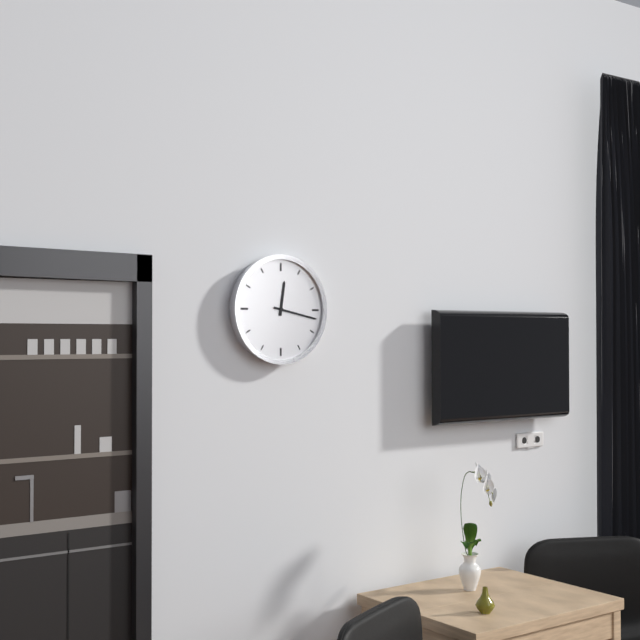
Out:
12 h 17 min
